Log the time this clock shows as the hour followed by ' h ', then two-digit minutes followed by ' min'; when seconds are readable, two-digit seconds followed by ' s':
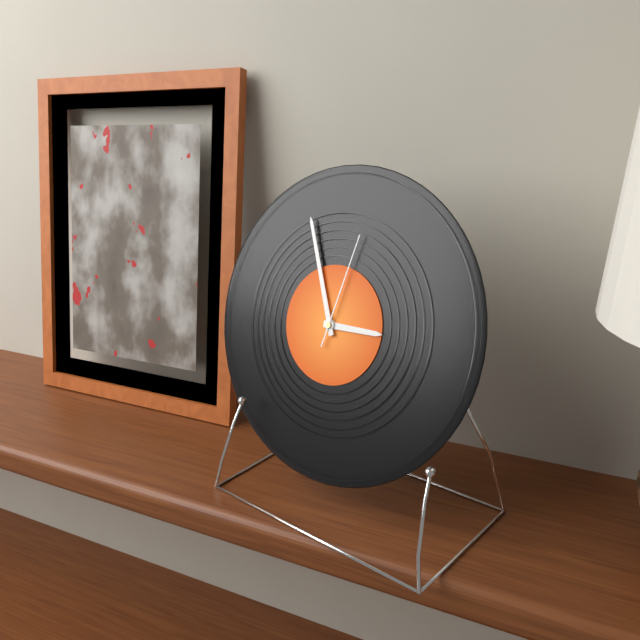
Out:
2 h 56 min 02 s
